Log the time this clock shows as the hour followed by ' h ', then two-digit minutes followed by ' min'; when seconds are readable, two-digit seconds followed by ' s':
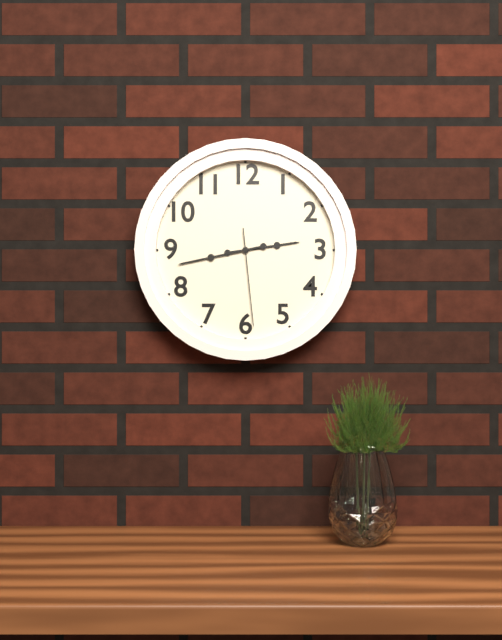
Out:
2 h 43 min 29 s
